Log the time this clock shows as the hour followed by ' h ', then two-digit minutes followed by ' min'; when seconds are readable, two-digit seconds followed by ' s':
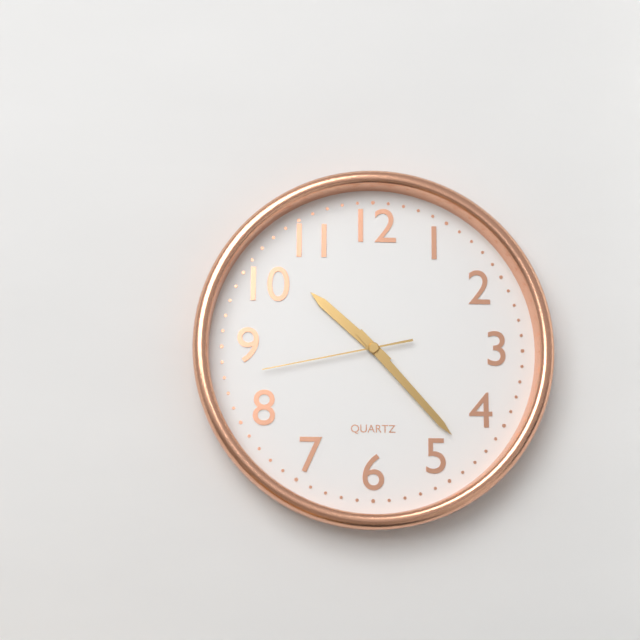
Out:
10 h 23 min 43 s
